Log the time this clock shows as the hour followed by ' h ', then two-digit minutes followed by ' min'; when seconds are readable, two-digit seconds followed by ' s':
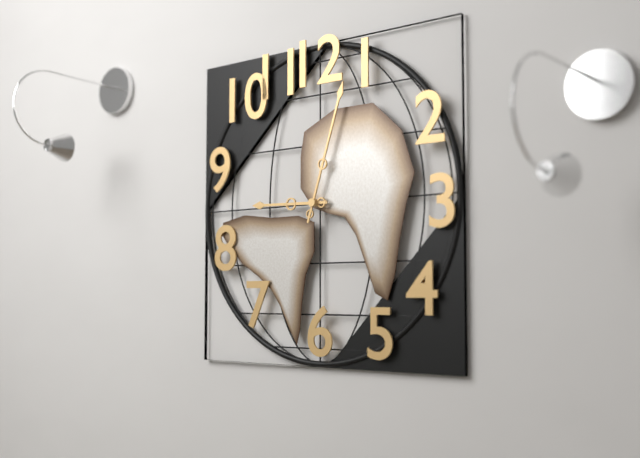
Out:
9 h 03 min
